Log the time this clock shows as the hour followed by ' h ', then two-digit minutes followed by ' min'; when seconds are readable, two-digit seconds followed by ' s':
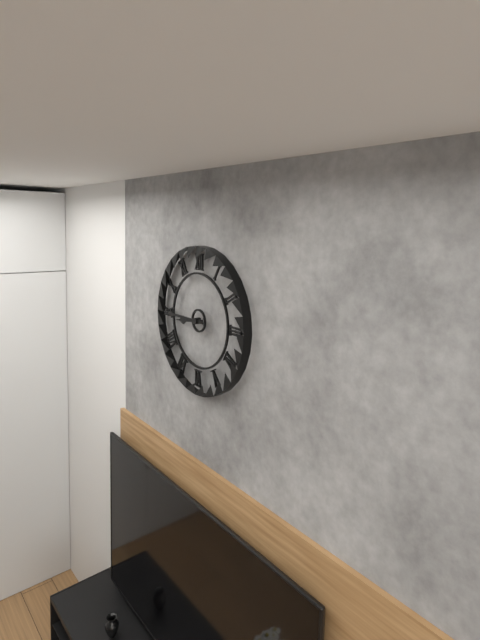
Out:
8 h 45 min
